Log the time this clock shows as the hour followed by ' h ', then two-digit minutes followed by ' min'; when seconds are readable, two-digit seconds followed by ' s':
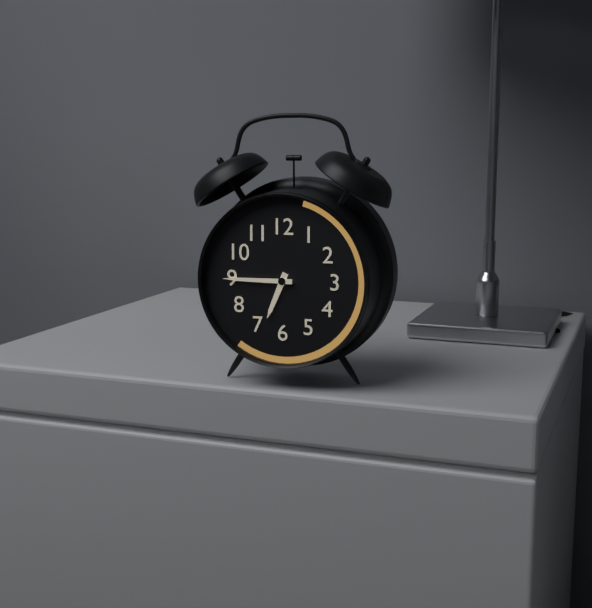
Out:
6 h 45 min
